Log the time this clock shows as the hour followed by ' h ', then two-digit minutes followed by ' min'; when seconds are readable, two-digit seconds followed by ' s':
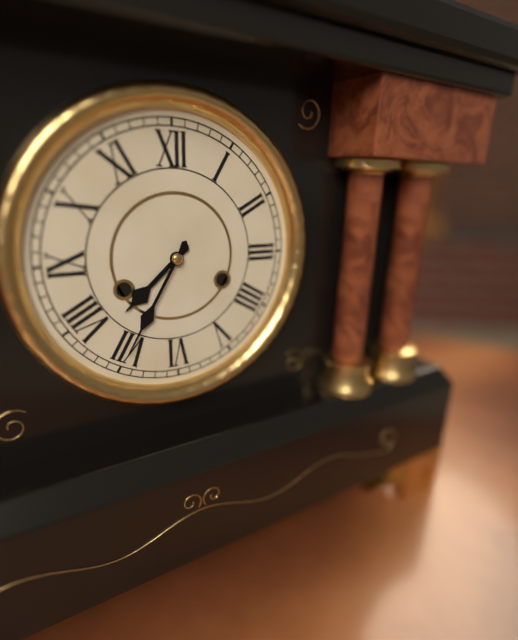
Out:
7 h 35 min
